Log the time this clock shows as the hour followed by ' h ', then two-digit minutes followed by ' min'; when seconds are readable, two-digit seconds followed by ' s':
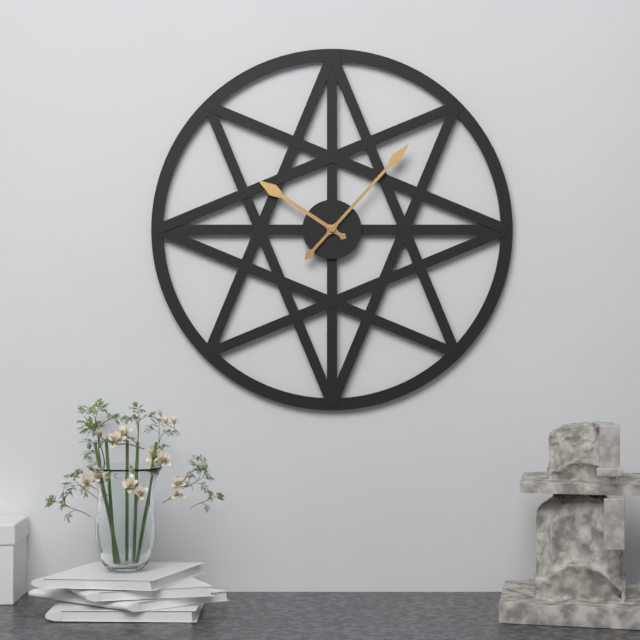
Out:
10 h 07 min
